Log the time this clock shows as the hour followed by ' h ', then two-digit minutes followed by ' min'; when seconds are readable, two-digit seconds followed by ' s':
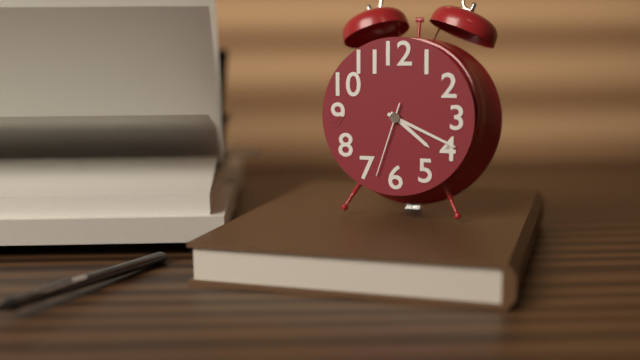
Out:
4 h 19 min 33 s
